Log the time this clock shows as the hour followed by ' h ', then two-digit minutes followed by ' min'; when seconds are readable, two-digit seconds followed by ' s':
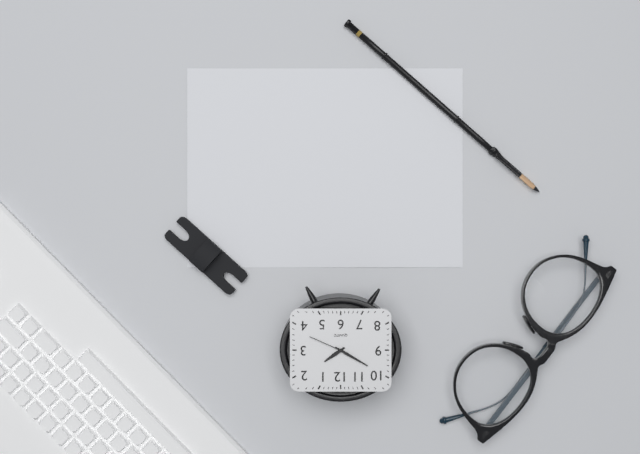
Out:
1 h 50 min
